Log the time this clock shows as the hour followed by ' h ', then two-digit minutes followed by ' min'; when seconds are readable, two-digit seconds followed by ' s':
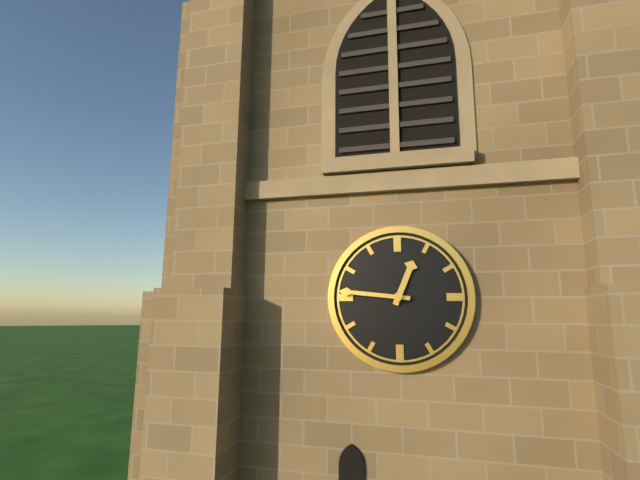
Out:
12 h 46 min
